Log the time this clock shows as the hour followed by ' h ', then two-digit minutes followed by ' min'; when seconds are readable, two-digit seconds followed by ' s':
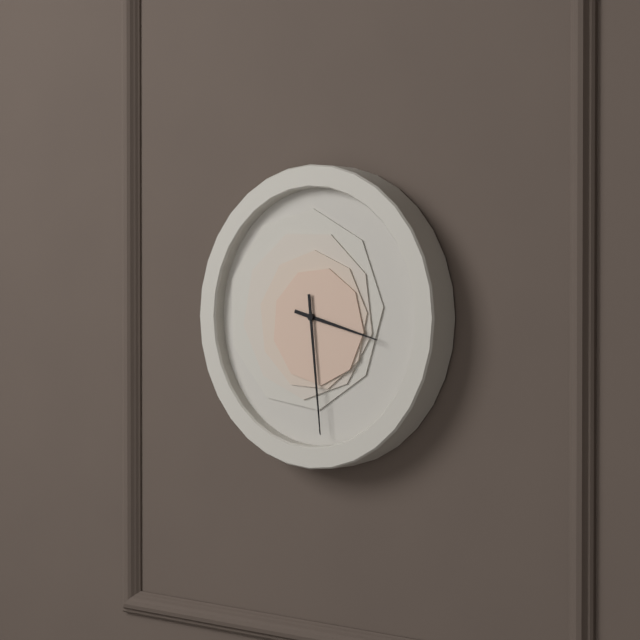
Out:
3 h 29 min
